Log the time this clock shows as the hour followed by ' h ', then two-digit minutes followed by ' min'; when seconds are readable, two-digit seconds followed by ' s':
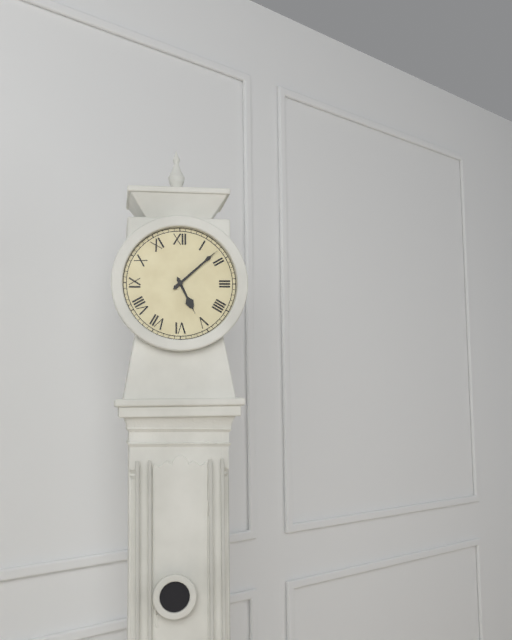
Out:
5 h 08 min
